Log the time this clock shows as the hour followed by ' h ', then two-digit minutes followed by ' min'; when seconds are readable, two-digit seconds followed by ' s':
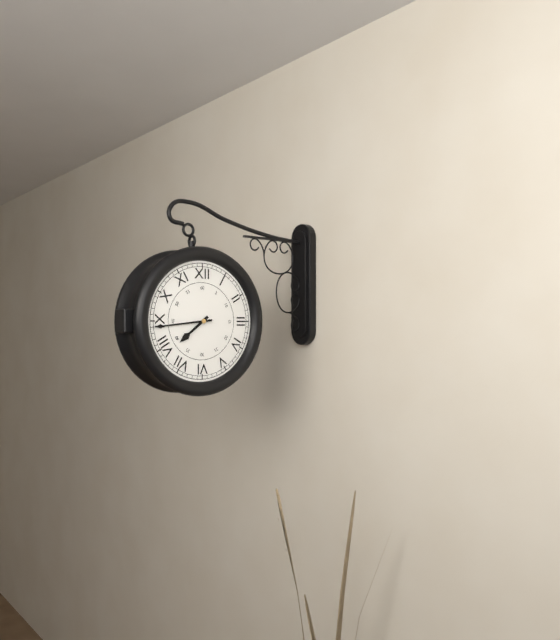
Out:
7 h 44 min
